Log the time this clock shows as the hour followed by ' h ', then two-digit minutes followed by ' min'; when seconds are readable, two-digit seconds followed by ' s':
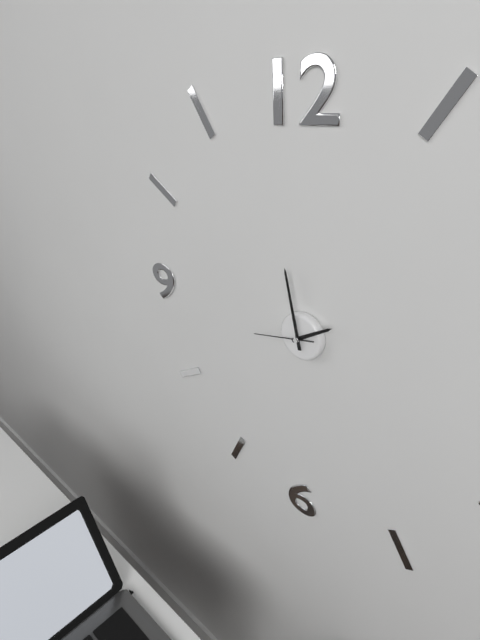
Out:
1 h 58 min 43 s
